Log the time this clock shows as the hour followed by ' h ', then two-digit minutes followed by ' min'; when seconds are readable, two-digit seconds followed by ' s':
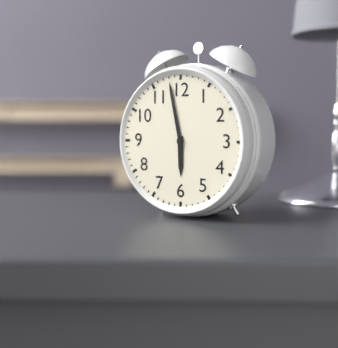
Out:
5 h 58 min
